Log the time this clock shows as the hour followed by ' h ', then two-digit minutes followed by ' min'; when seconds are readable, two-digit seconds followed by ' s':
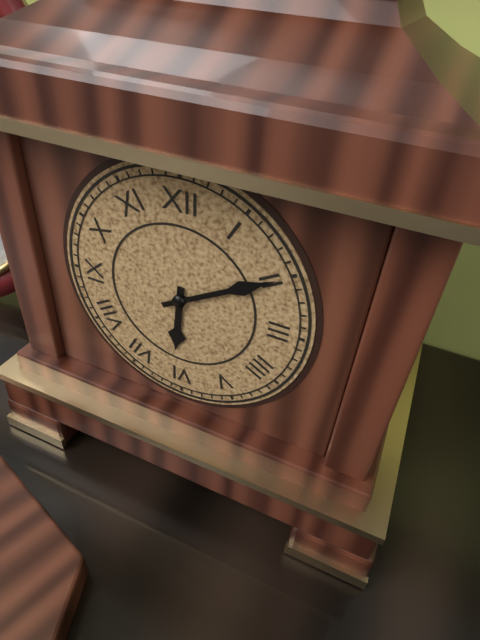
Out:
6 h 10 min
